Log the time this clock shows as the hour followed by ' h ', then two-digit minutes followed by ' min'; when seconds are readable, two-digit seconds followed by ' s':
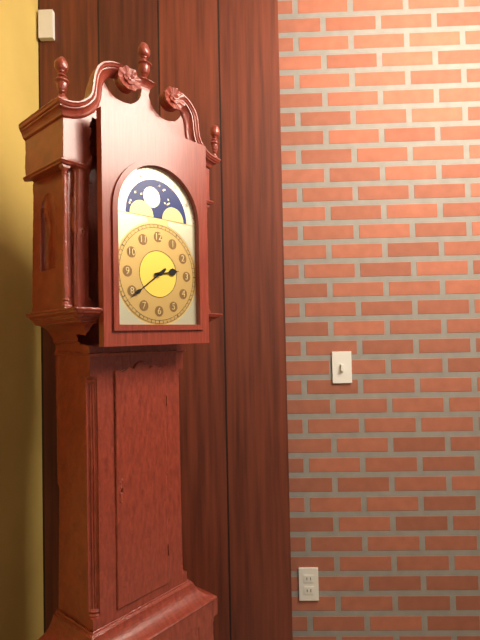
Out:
2 h 39 min
